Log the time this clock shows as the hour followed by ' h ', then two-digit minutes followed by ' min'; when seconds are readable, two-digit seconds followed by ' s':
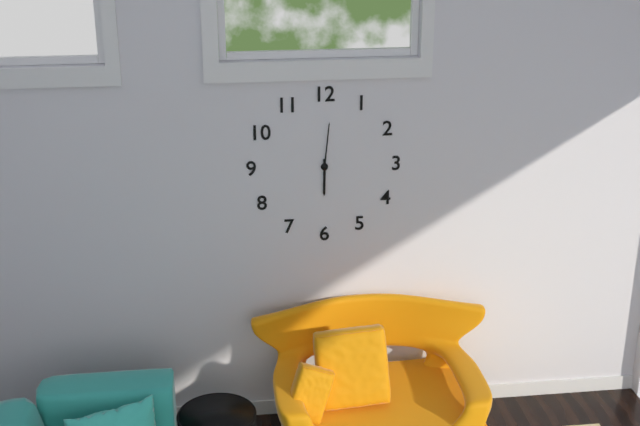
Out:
6 h 01 min
